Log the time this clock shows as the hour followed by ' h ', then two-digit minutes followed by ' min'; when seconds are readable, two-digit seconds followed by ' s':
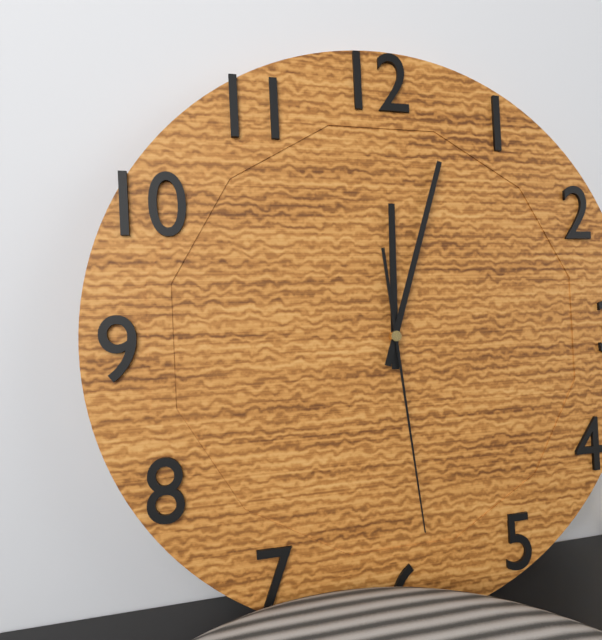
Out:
12 h 03 min 29 s
